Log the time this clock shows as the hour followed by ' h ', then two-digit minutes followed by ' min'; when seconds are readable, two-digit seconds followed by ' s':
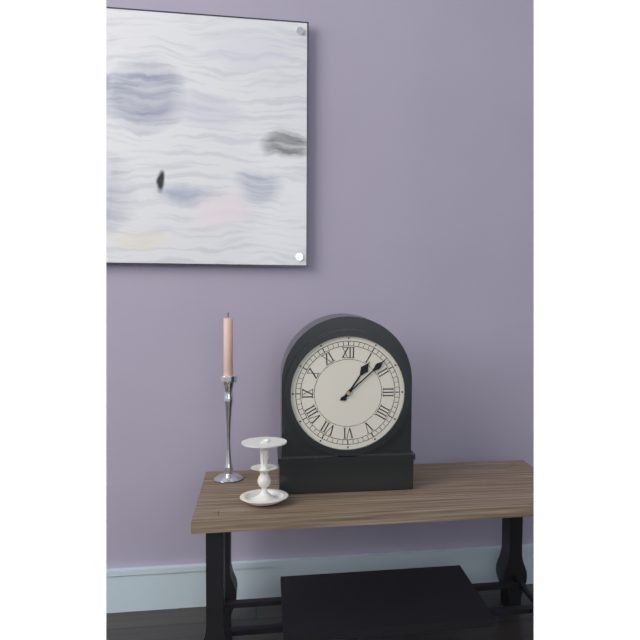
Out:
1 h 08 min
